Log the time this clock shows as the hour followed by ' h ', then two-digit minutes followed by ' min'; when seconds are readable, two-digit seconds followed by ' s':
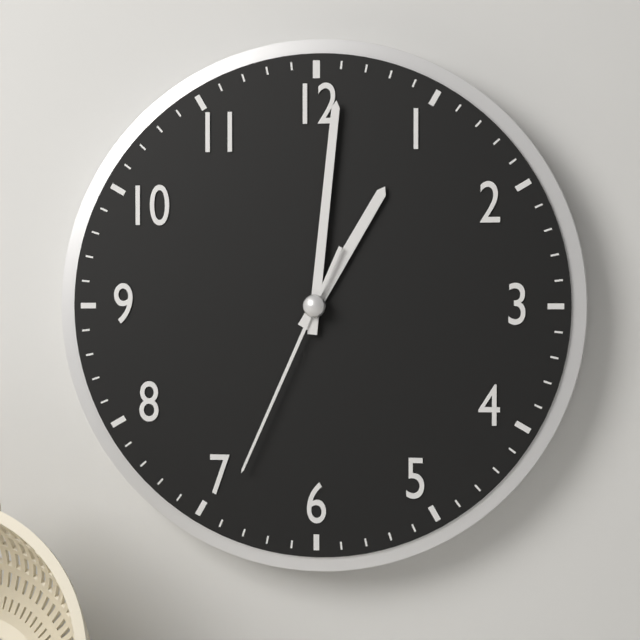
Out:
1 h 01 min 34 s
